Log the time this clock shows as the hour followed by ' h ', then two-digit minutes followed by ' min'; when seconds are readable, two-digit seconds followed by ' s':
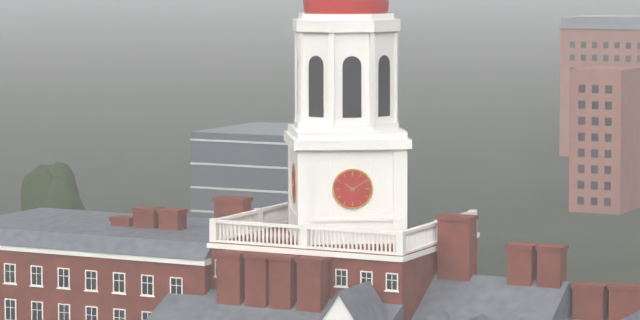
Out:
10 h 10 min
